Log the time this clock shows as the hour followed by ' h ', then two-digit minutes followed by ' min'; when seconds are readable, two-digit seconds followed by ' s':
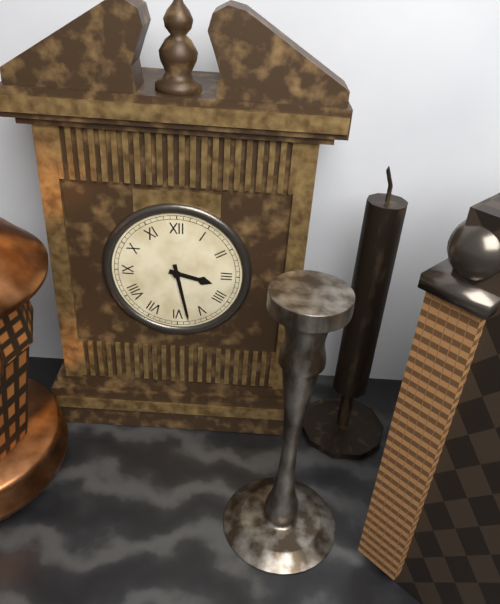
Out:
3 h 28 min
